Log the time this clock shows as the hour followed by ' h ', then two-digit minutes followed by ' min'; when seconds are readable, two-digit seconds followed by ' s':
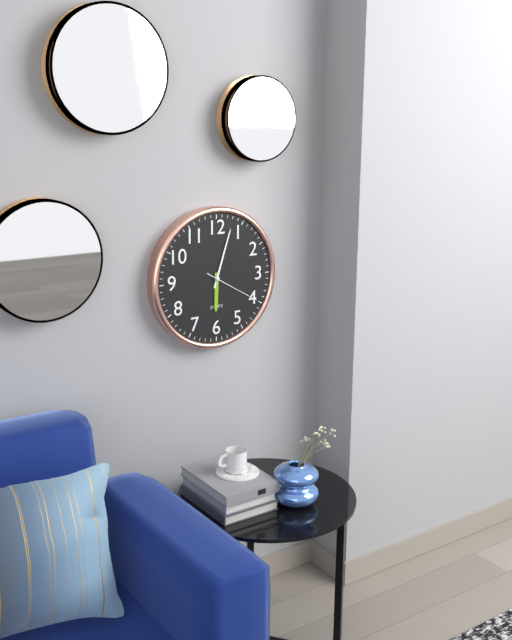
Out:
6 h 03 min 20 s
